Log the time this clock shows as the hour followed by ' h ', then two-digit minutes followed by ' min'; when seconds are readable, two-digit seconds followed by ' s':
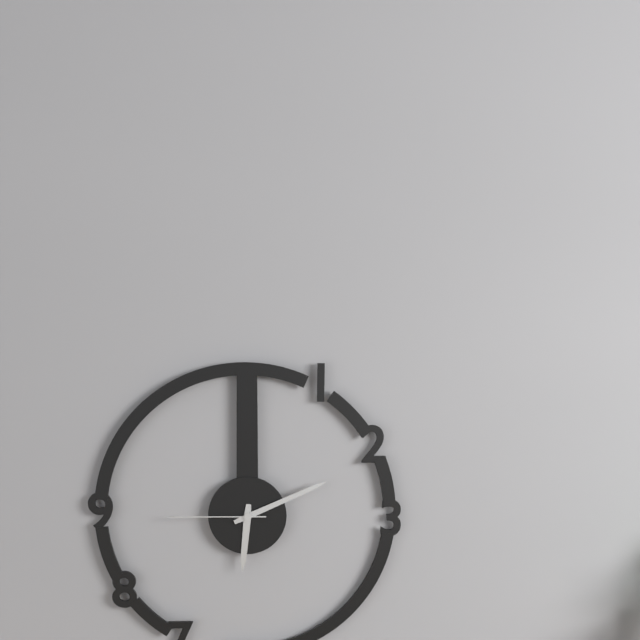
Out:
6 h 11 min 45 s
